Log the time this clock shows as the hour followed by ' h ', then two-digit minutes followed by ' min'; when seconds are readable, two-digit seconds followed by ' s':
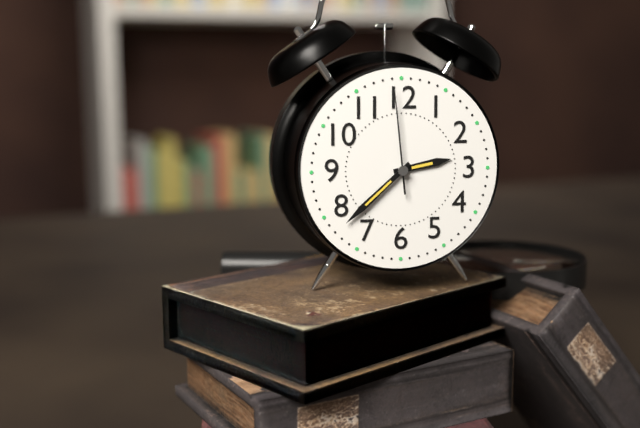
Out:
2 h 38 min 59 s
